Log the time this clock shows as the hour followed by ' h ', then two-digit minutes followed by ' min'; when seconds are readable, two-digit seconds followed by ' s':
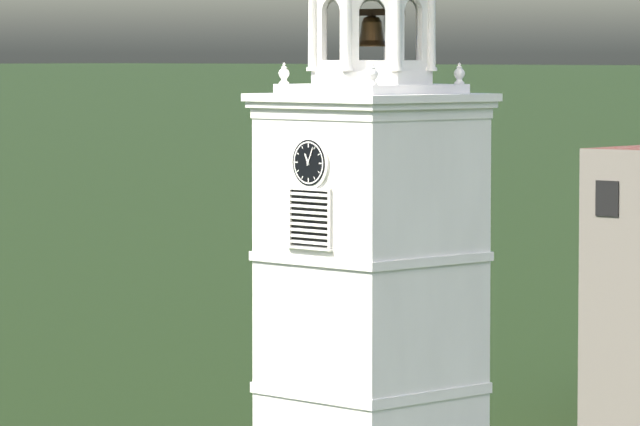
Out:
11 h 04 min
